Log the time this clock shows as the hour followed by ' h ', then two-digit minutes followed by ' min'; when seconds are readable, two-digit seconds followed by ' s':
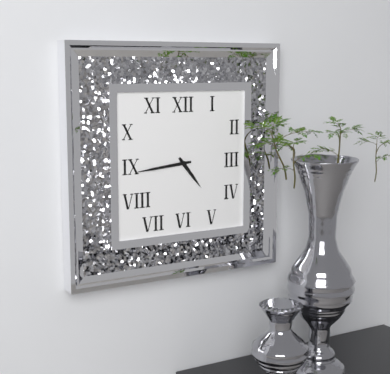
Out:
4 h 44 min
